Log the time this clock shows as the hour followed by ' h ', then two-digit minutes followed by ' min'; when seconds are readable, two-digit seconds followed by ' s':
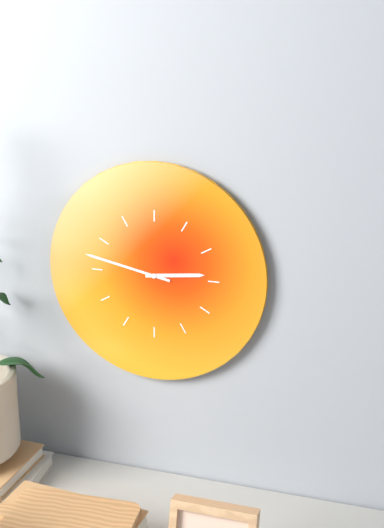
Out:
2 h 47 min
